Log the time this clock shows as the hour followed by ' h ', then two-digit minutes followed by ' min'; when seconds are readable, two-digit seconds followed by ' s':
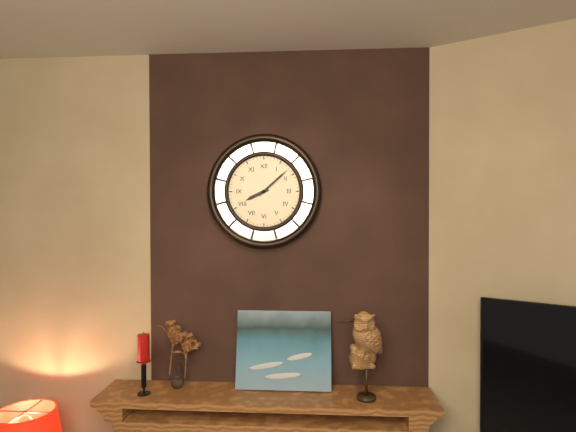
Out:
8 h 08 min
